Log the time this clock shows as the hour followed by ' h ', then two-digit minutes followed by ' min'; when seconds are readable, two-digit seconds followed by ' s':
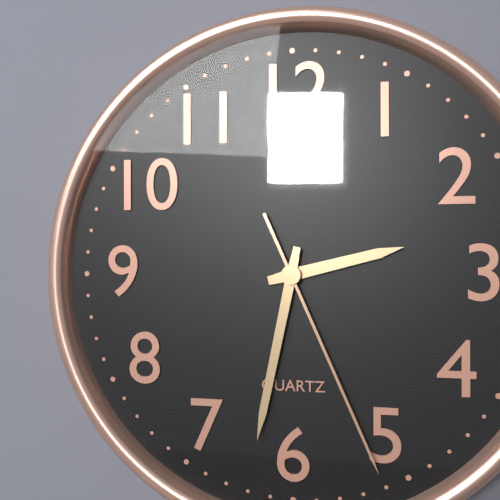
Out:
2 h 32 min 26 s
